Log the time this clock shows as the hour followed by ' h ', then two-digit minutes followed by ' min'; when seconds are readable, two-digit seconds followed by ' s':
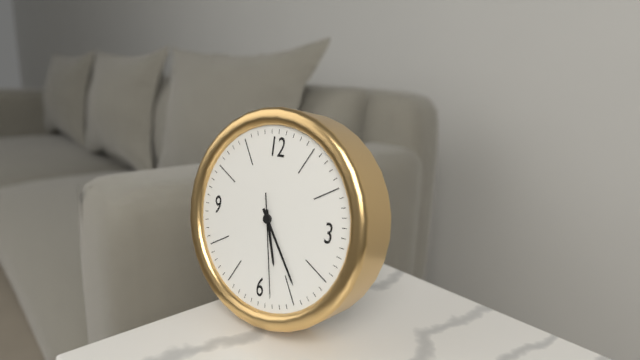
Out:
5 h 24 min 28 s
